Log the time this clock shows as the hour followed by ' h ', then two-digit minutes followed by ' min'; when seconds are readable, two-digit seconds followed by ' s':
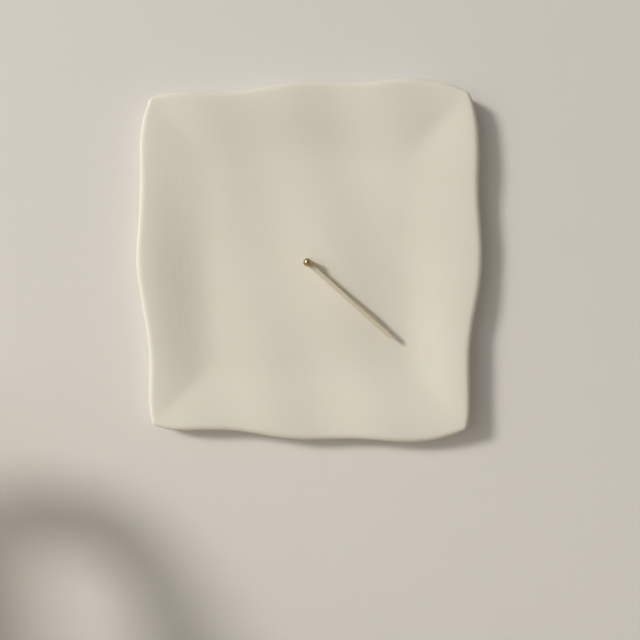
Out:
4 h 22 min
